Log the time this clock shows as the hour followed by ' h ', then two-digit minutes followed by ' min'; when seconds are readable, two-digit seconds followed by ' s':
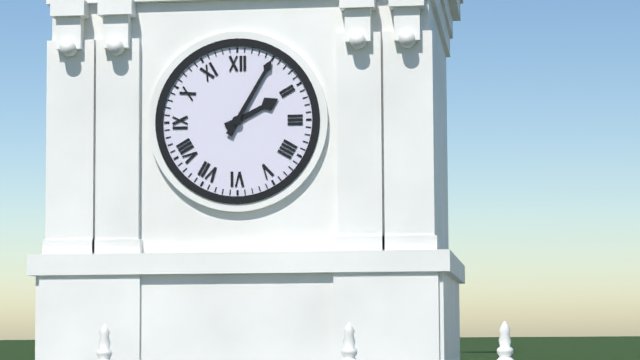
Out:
2 h 05 min
